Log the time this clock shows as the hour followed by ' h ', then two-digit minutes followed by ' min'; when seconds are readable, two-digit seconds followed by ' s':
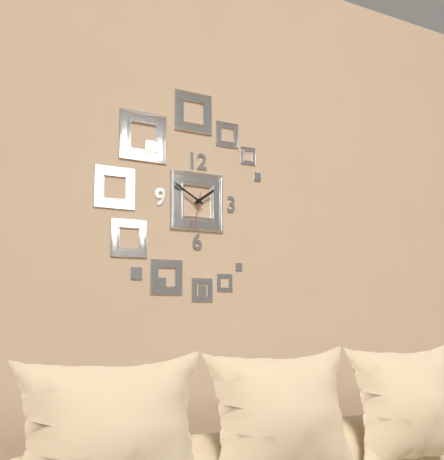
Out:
1 h 50 min
